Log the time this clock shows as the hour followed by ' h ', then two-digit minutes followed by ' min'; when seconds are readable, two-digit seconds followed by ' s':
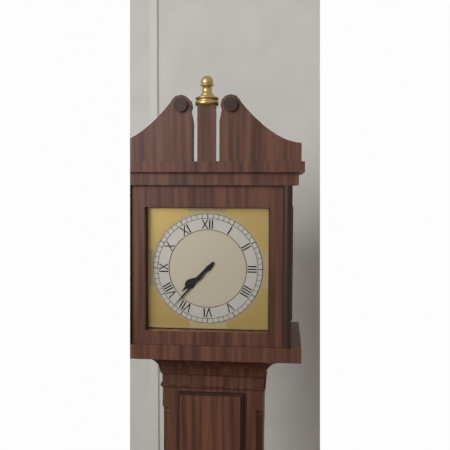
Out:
7 h 37 min
